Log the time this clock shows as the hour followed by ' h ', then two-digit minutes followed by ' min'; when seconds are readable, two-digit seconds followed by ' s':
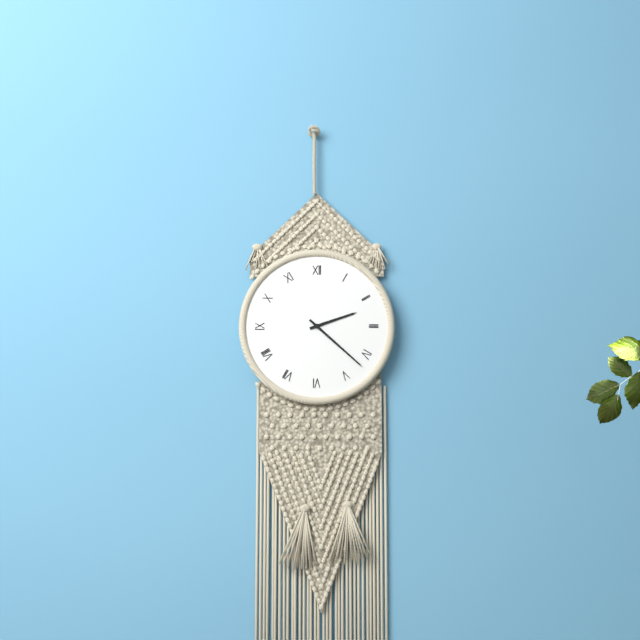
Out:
2 h 22 min
